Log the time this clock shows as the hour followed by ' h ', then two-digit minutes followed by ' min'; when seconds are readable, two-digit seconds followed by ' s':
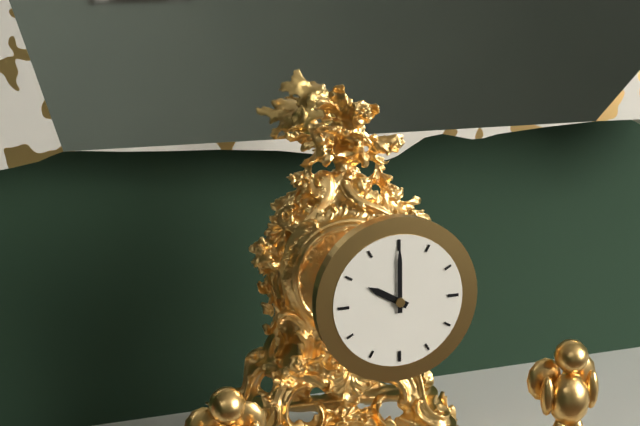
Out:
10 h 00 min
